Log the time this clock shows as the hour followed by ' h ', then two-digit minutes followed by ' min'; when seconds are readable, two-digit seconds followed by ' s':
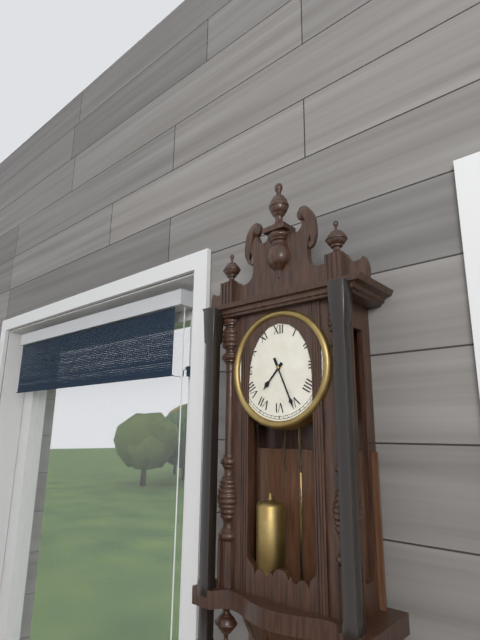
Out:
7 h 26 min
